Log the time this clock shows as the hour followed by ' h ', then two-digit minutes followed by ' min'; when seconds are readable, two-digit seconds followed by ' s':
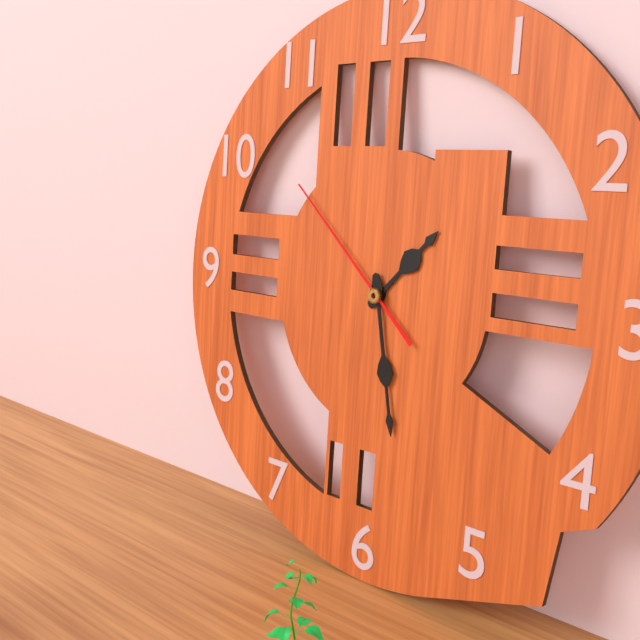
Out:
1 h 28 min 52 s
